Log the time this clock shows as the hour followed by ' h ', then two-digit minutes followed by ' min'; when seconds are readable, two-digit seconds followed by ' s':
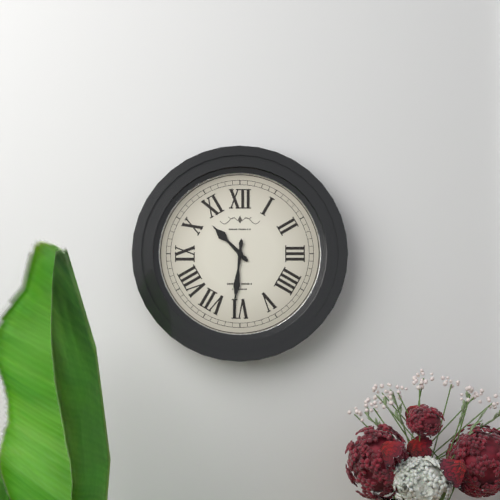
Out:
10 h 31 min
